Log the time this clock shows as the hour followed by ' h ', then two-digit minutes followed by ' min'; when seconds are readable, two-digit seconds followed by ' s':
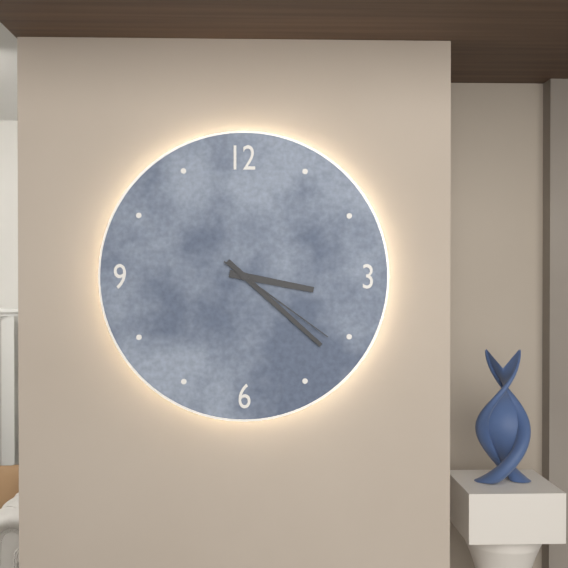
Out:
3 h 22 min 21 s
